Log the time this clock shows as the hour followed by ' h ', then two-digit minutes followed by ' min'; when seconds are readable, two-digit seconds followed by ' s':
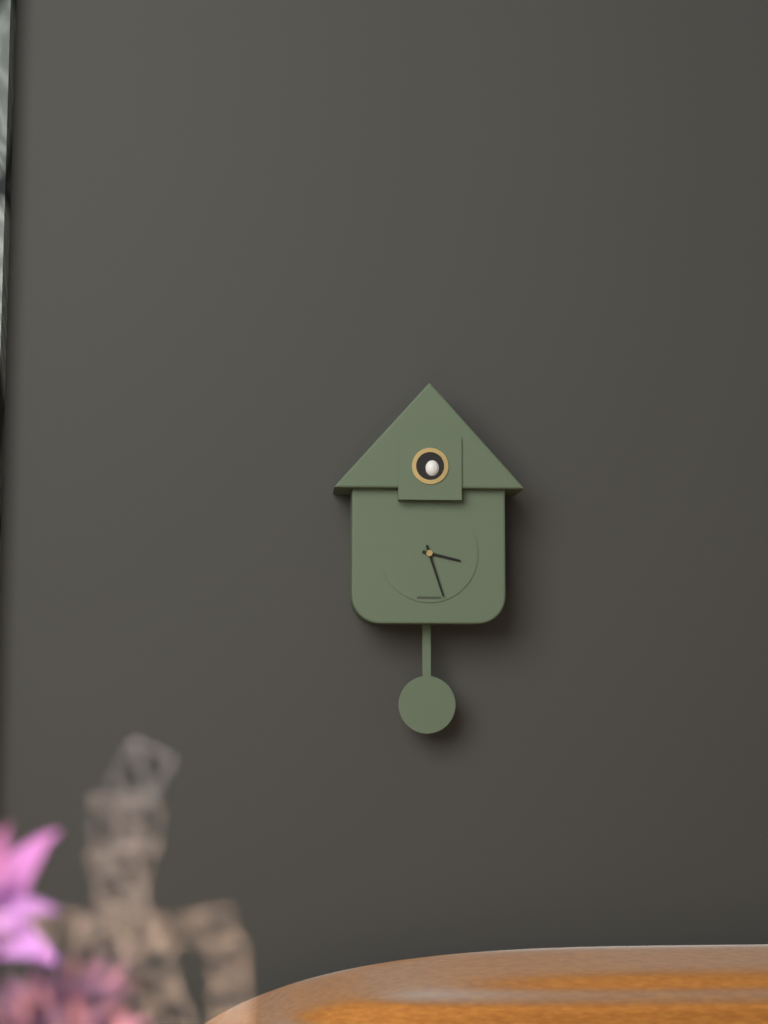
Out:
3 h 27 min
